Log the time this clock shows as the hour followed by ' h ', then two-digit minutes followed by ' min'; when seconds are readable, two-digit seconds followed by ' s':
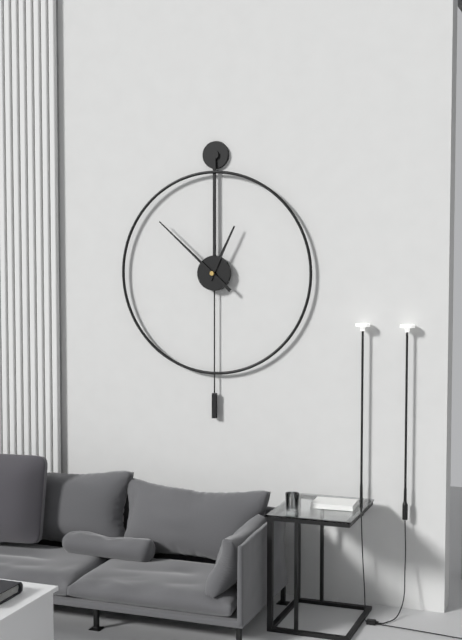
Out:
12 h 52 min
